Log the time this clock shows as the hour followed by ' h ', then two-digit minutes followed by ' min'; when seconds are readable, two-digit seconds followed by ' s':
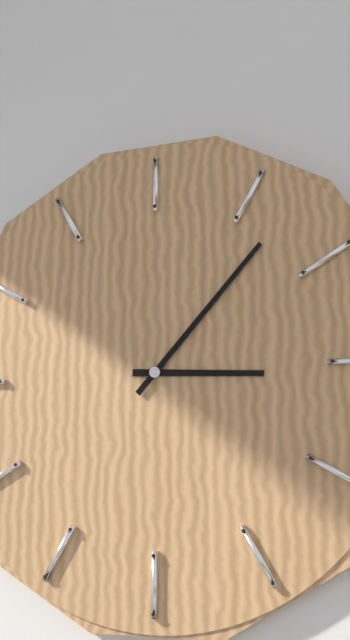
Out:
3 h 07 min
